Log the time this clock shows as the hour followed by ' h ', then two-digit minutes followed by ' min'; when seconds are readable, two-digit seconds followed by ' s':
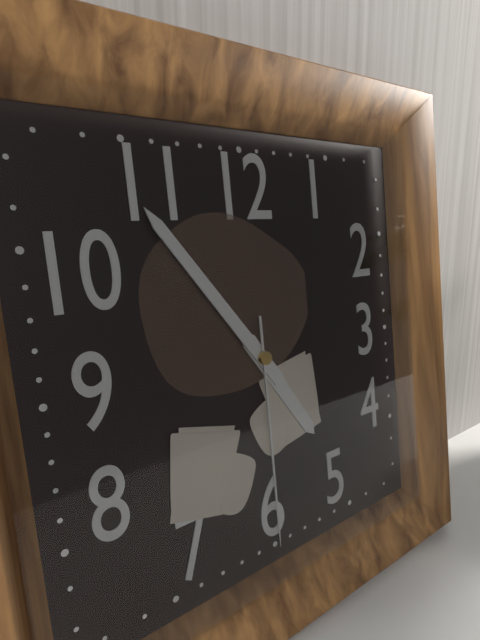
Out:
4 h 54 min 30 s
